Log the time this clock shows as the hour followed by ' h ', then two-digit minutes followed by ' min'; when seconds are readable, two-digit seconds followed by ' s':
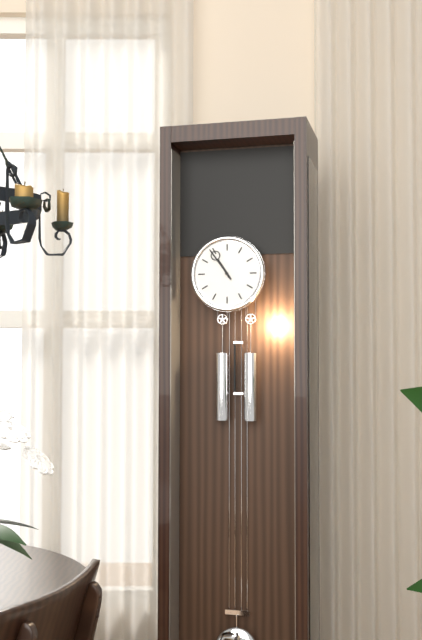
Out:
10 h 54 min
